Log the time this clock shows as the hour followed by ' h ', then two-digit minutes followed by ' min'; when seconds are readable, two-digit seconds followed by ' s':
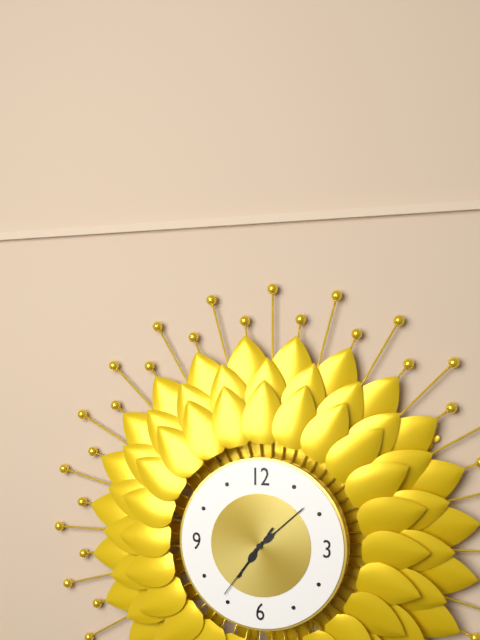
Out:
7 h 08 min 36 s
